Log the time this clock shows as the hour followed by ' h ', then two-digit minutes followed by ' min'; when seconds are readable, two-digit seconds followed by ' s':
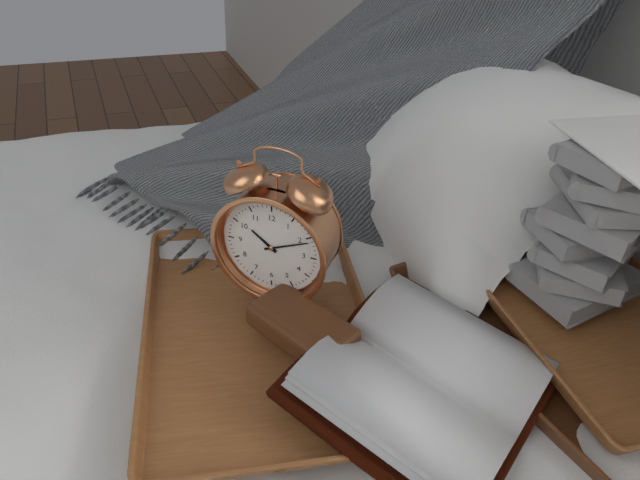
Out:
10 h 11 min
